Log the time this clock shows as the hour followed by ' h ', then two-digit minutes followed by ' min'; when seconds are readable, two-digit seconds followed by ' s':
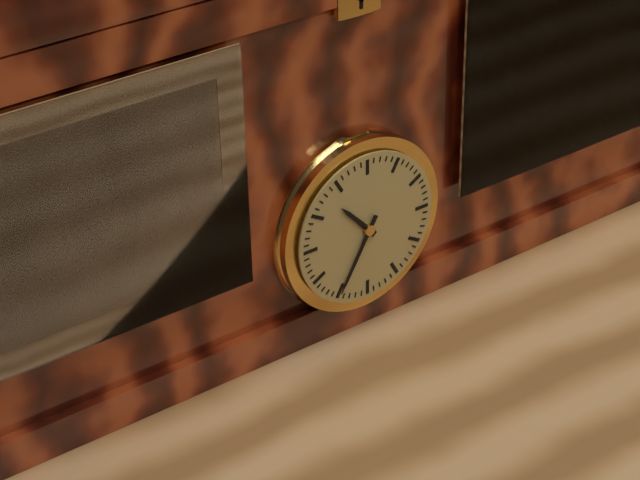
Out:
10 h 35 min
